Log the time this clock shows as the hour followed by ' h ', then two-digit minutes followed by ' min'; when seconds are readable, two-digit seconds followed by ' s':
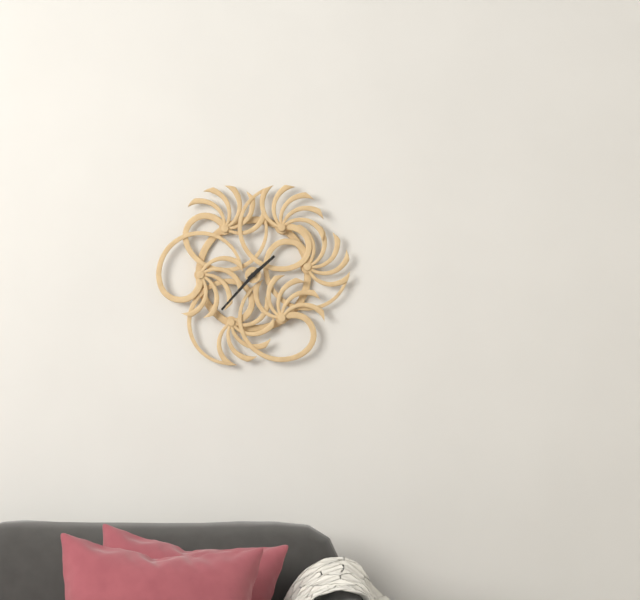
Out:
1 h 37 min
